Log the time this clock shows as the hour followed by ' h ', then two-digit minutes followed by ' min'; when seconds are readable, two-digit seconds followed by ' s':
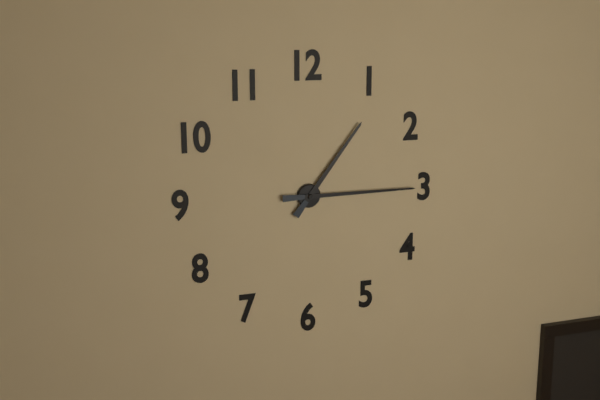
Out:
1 h 15 min
